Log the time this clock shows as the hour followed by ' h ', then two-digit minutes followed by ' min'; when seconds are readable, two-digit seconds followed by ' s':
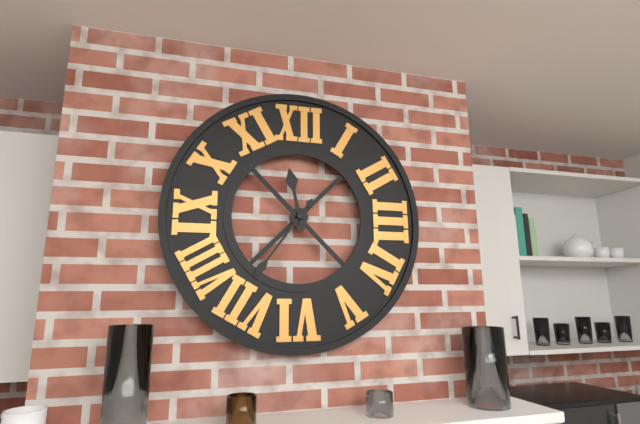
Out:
11 h 36 min
